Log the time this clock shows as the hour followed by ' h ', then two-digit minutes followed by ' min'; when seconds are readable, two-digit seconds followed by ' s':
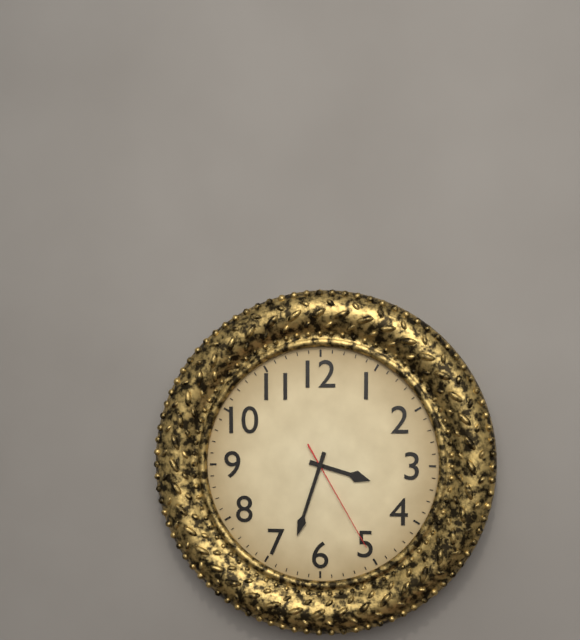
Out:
3 h 33 min 25 s
